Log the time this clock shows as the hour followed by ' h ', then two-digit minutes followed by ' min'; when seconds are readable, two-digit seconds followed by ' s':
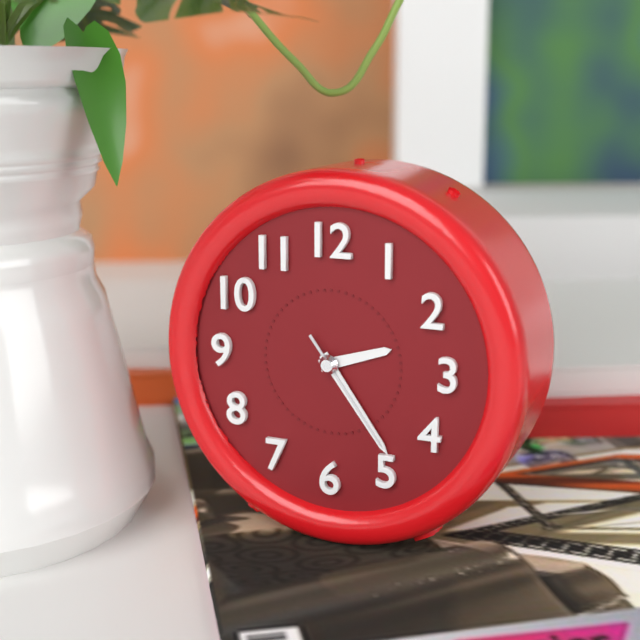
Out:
2 h 24 min 24 s
